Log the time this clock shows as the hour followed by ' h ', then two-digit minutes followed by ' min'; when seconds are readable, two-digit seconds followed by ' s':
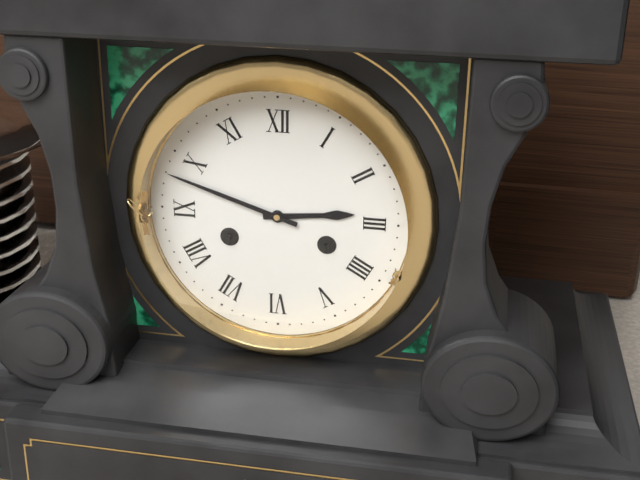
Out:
2 h 48 min
